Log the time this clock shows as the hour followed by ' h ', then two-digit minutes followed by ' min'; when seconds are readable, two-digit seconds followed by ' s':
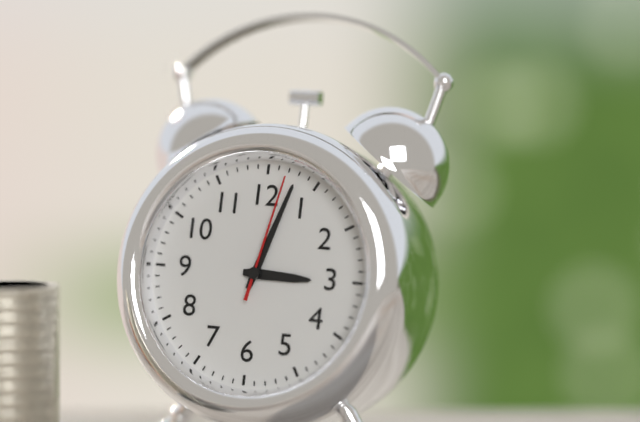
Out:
3 h 03 min 02 s
